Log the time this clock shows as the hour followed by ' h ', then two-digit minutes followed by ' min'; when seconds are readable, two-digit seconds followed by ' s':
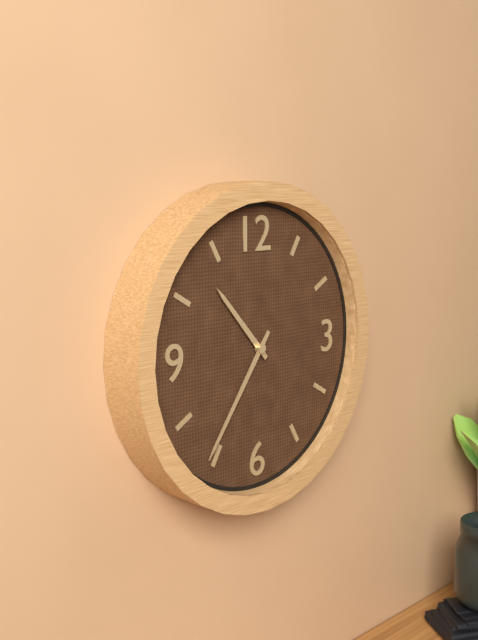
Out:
10 h 36 min
